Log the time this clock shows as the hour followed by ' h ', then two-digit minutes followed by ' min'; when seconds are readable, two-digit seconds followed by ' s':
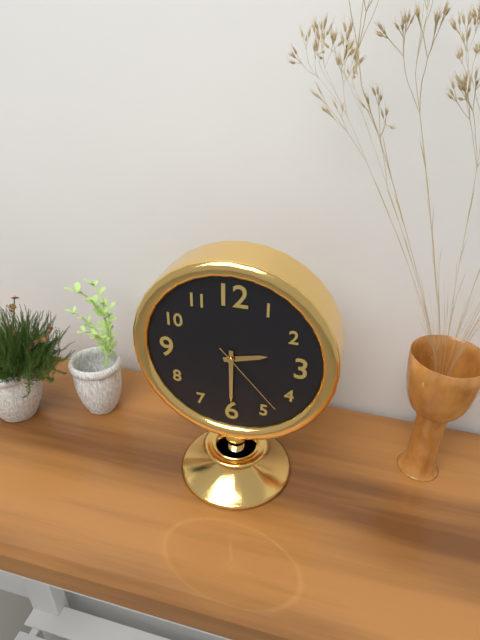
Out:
2 h 30 min 23 s
